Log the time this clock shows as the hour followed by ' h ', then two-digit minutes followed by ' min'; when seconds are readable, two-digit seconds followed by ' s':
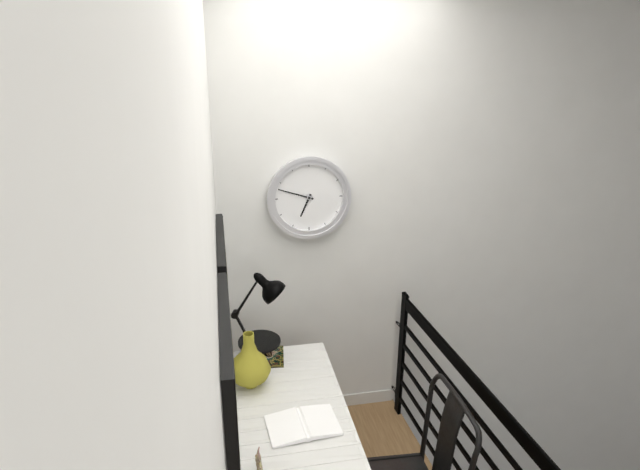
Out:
6 h 48 min
